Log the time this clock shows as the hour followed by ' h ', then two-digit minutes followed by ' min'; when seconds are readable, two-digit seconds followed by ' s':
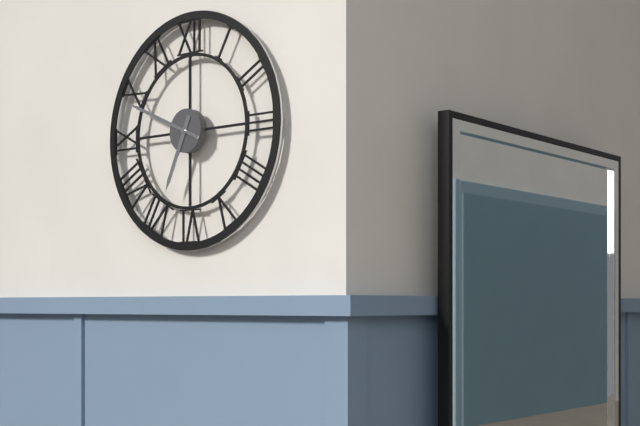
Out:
6 h 49 min
